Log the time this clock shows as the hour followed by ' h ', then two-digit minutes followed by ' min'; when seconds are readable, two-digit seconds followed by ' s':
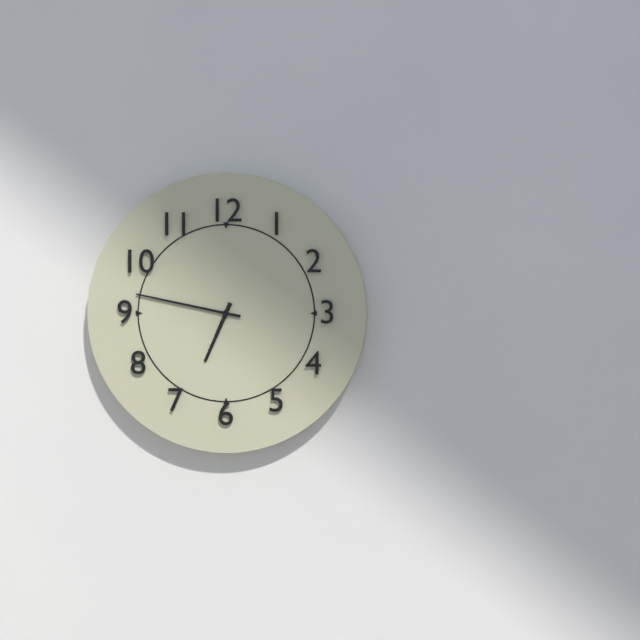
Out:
6 h 47 min
